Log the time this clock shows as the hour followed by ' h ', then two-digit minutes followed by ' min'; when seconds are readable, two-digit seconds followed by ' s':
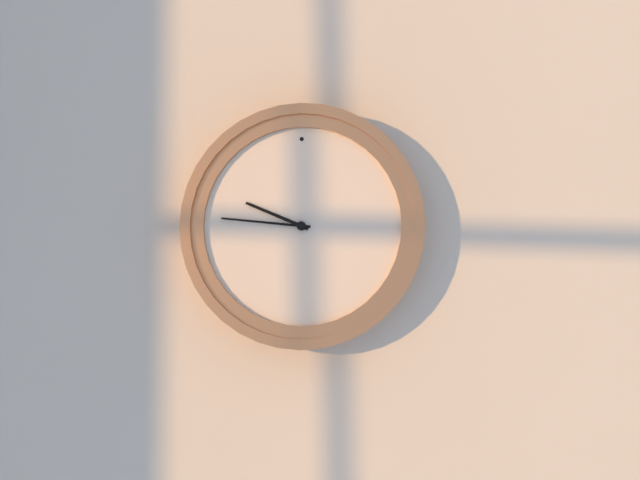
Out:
9 h 46 min
